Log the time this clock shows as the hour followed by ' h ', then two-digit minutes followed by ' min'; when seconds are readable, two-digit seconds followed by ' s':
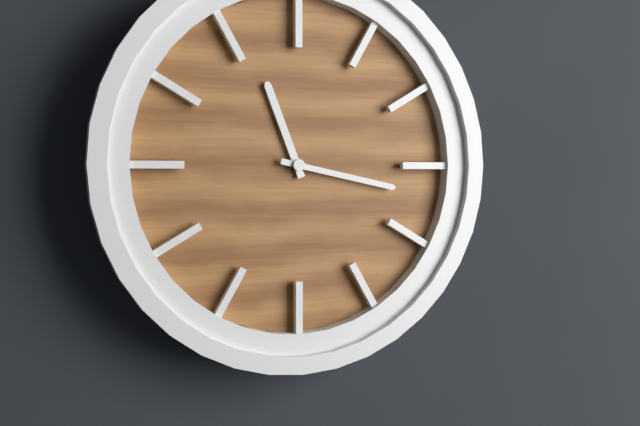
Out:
11 h 17 min
